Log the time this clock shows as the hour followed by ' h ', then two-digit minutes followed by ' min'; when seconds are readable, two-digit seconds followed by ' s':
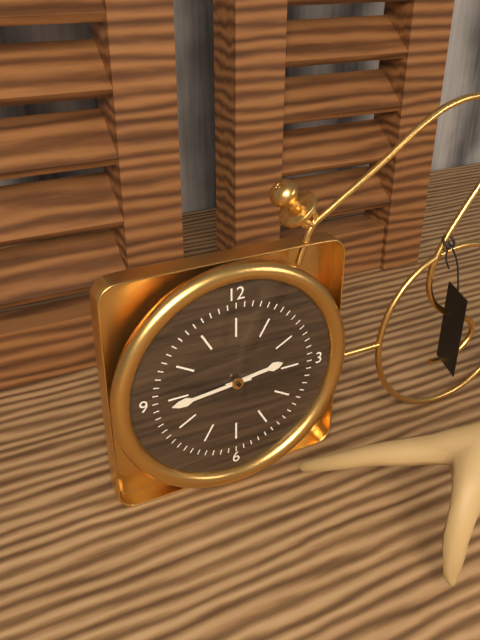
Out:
2 h 44 min
